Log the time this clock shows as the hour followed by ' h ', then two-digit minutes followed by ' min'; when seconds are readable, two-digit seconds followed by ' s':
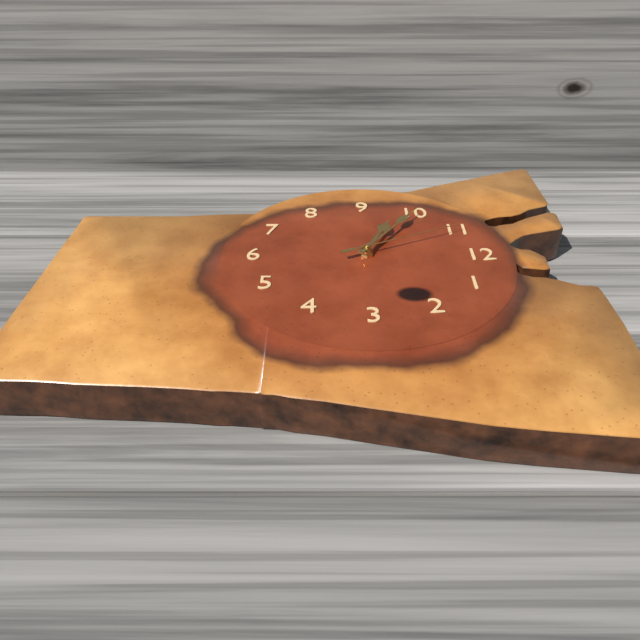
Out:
9 h 51 min 56 s
